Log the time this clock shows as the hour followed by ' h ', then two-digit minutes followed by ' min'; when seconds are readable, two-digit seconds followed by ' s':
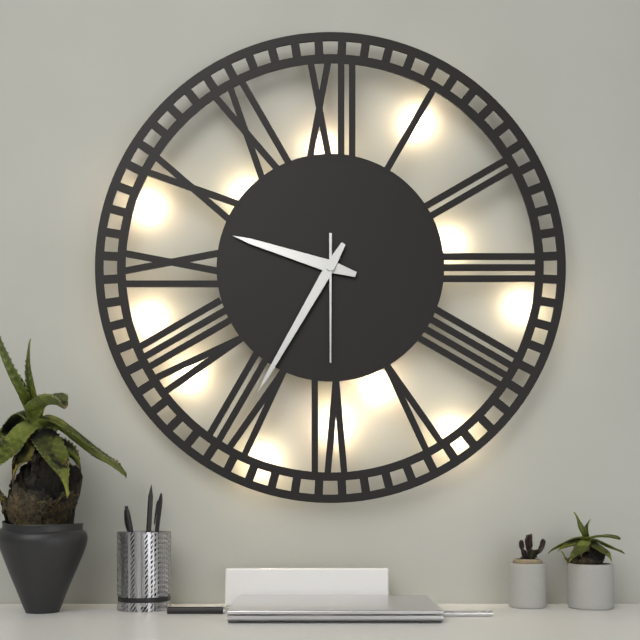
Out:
9 h 35 min 30 s
